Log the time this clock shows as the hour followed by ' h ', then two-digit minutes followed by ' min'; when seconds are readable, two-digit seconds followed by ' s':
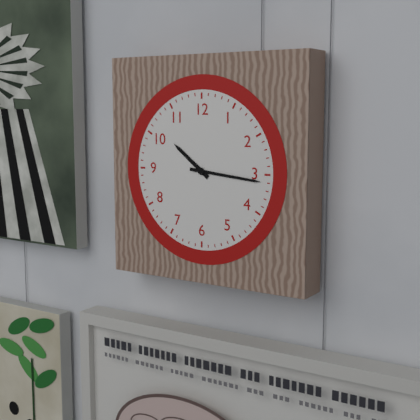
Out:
10 h 16 min
